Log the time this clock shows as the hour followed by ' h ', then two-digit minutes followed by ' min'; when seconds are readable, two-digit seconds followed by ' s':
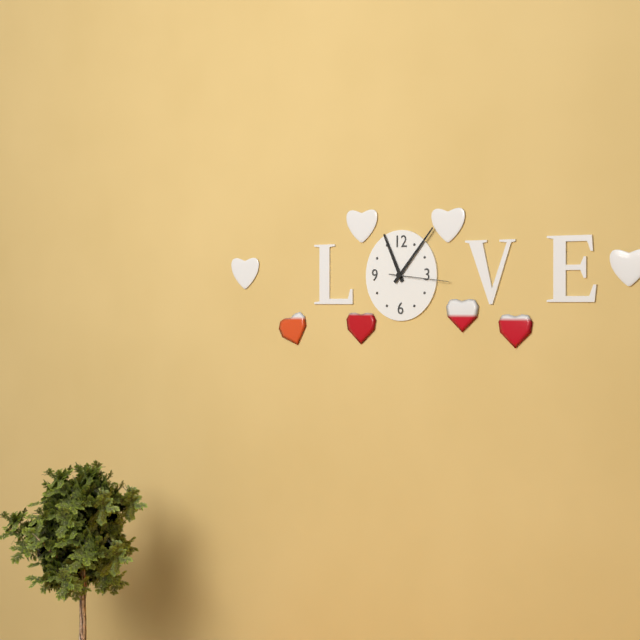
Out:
11 h 07 min 16 s
